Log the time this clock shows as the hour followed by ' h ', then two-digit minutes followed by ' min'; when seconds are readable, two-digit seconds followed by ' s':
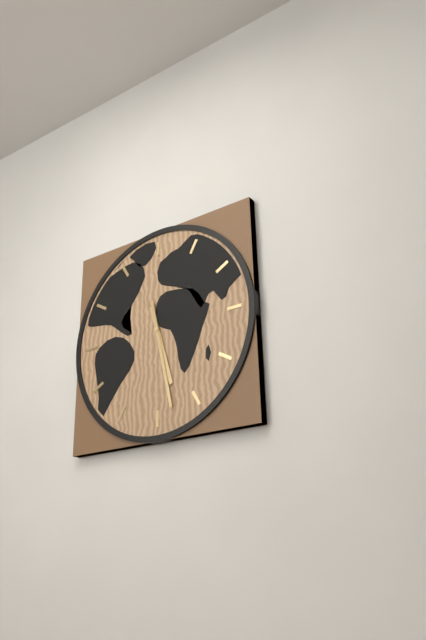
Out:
5 h 28 min
